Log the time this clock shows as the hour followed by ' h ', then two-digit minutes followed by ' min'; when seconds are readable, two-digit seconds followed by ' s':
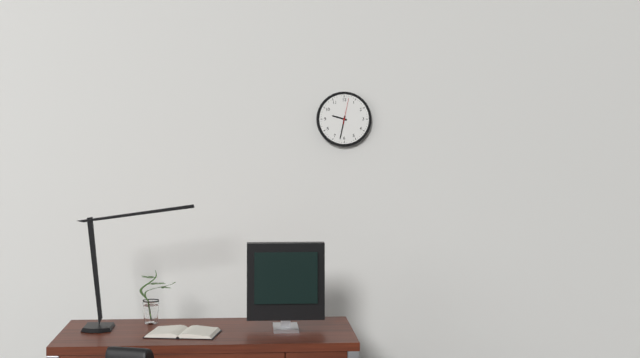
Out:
9 h 32 min
